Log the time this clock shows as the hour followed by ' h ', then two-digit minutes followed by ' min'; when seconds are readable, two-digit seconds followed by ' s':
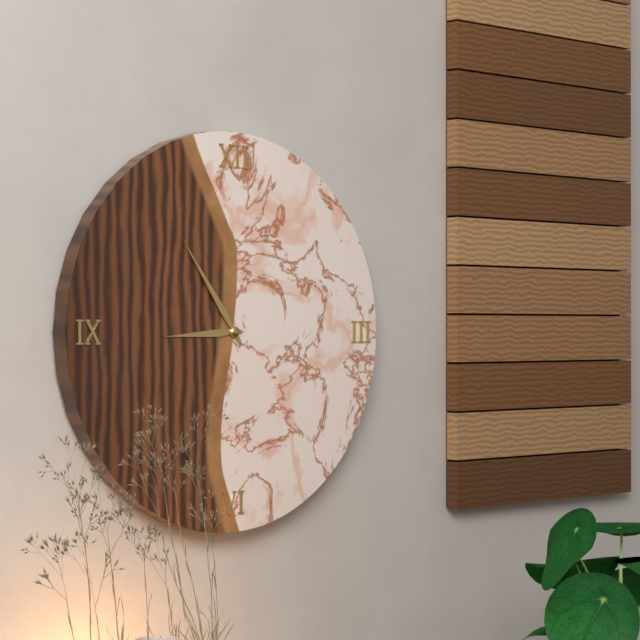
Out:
8 h 54 min
